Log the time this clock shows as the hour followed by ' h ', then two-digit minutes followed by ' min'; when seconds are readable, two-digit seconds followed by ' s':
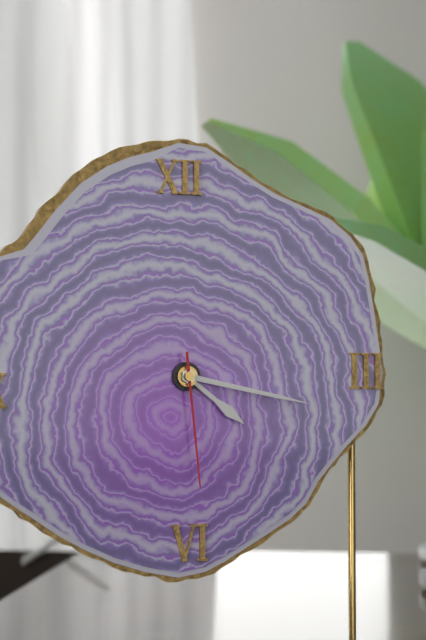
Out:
4 h 17 min 29 s
